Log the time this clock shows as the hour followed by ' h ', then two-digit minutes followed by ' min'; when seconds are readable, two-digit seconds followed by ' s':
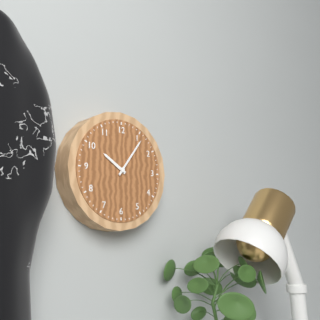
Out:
10 h 06 min
